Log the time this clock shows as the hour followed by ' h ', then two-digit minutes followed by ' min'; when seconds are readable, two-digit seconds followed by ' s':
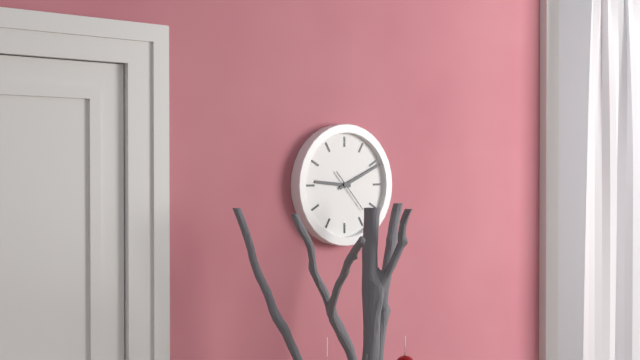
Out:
9 h 11 min
